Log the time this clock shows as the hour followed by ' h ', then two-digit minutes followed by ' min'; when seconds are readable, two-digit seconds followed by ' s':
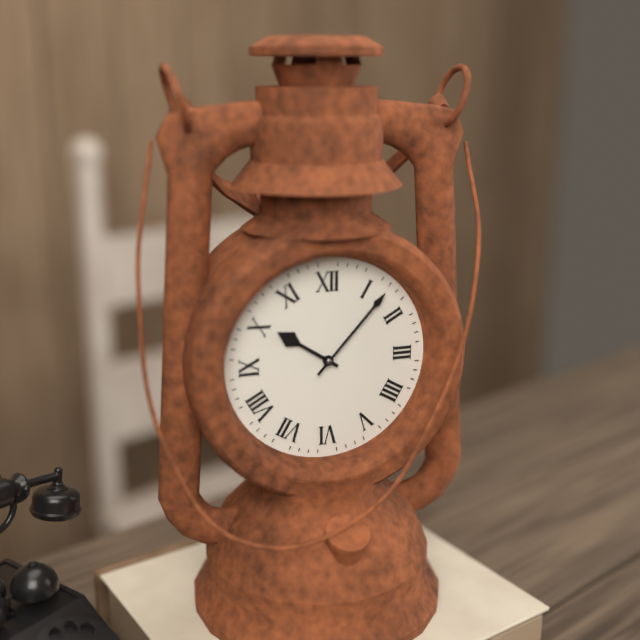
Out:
10 h 07 min
